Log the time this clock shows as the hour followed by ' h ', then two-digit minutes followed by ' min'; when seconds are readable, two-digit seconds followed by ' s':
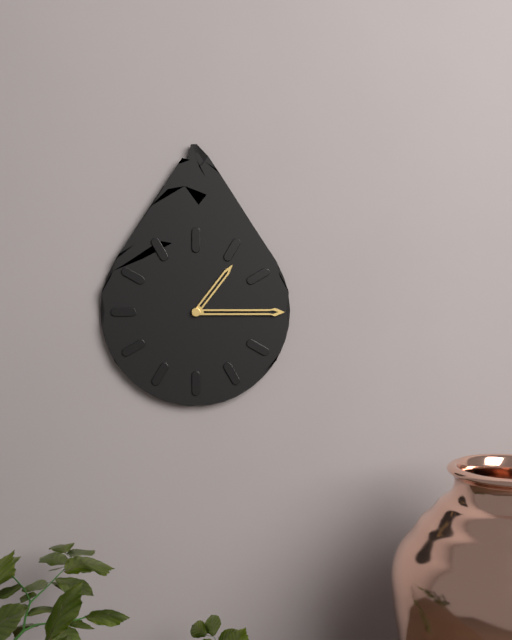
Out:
1 h 15 min
